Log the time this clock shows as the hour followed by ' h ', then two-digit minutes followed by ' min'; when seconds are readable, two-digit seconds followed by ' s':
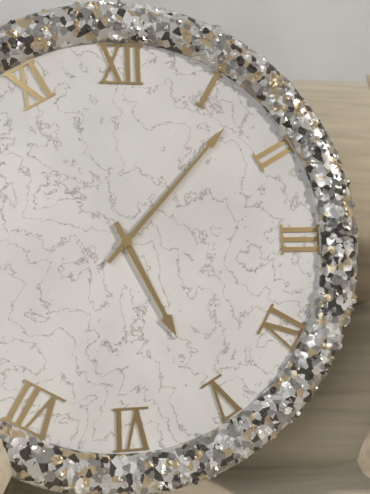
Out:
5 h 07 min
